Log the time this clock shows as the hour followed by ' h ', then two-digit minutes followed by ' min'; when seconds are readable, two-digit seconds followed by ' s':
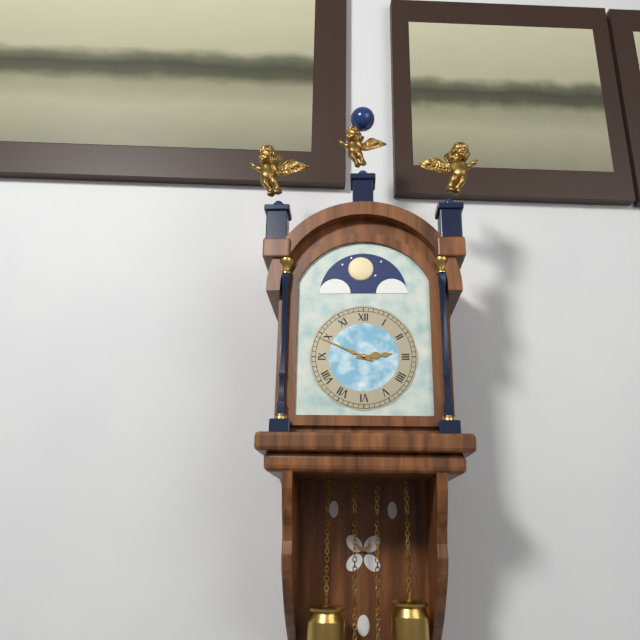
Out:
2 h 49 min
